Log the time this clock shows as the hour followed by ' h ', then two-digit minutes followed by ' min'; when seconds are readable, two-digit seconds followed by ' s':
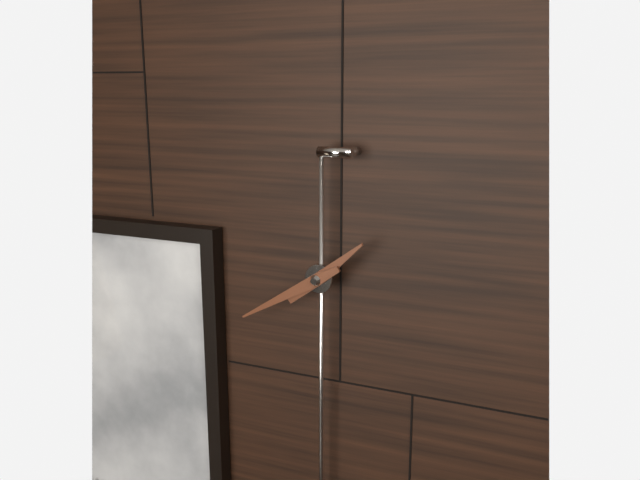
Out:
1 h 40 min
